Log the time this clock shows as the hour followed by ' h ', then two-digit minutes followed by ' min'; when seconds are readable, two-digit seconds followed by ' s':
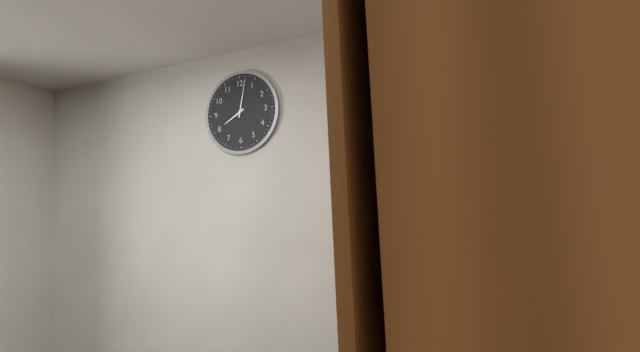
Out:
8 h 02 min
